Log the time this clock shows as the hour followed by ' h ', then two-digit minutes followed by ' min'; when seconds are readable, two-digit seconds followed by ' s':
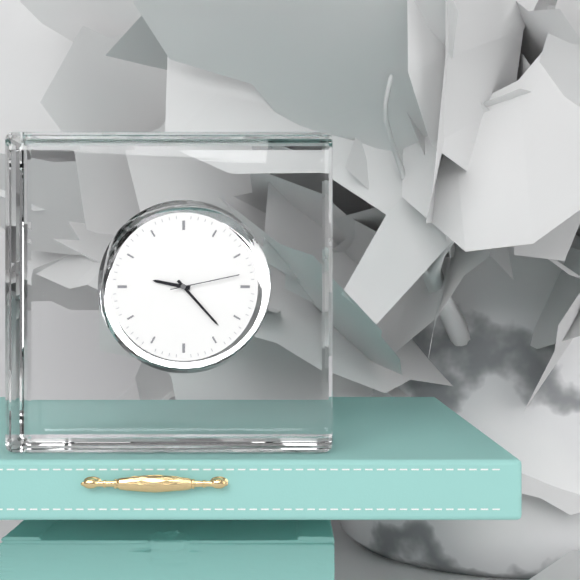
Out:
9 h 23 min 13 s
